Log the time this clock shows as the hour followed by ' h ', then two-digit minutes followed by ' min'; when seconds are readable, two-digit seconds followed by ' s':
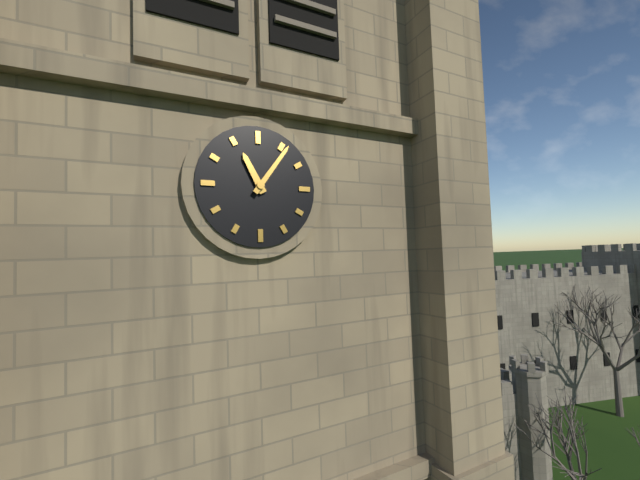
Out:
11 h 06 min
